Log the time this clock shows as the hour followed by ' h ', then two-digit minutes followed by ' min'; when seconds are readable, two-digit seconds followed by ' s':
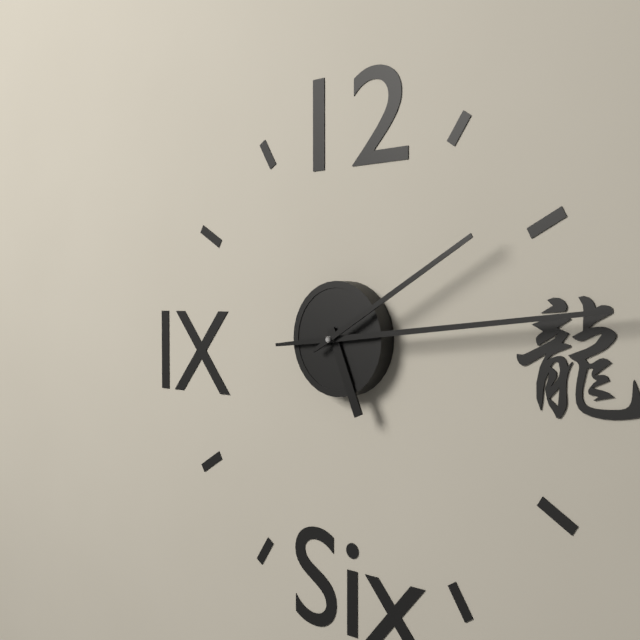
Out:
5 h 14 min 10 s
